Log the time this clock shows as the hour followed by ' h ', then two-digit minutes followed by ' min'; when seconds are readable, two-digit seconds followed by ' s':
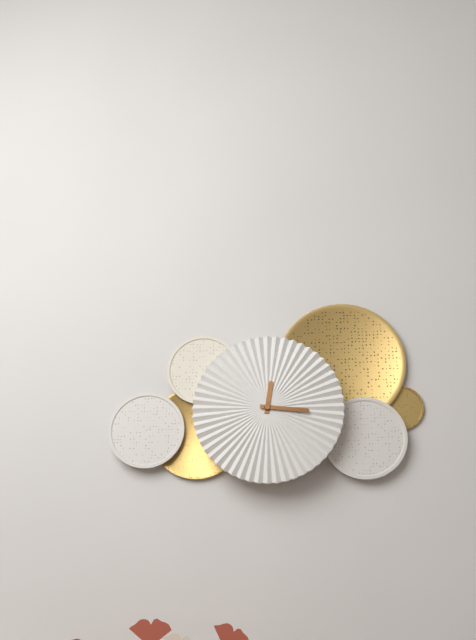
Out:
12 h 16 min
